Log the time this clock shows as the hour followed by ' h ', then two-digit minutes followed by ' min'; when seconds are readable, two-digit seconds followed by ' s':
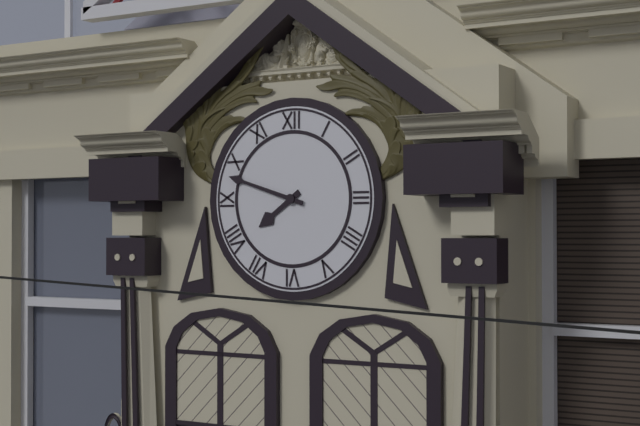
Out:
7 h 48 min
